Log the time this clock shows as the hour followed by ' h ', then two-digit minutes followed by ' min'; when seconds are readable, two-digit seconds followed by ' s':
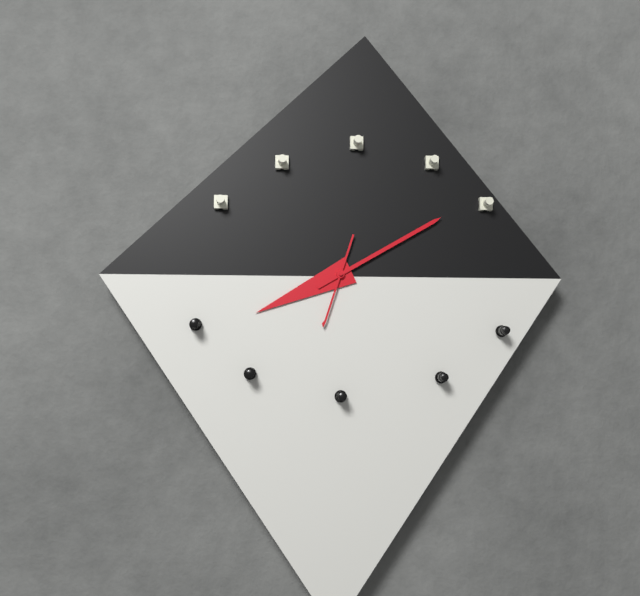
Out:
8 h 10 min 33 s
